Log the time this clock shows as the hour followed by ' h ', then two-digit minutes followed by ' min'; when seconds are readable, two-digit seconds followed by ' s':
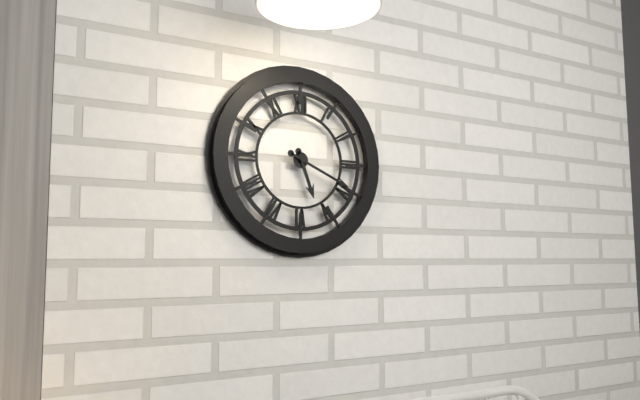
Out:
5 h 19 min
